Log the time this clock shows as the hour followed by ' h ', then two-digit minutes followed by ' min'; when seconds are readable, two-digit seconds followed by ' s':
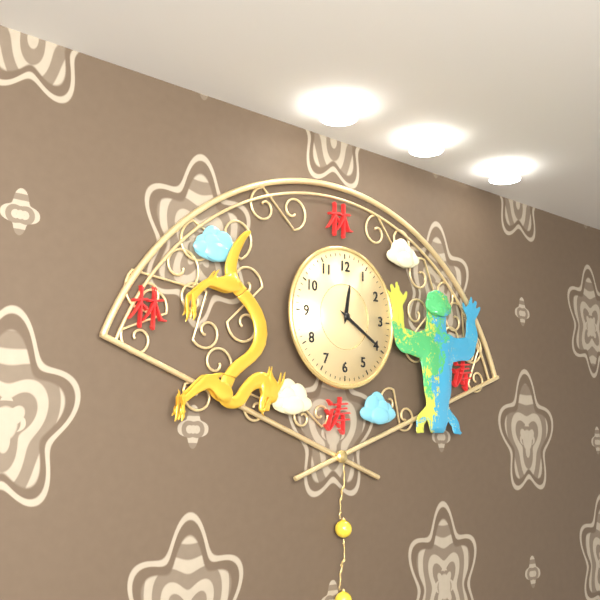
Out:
12 h 20 min
